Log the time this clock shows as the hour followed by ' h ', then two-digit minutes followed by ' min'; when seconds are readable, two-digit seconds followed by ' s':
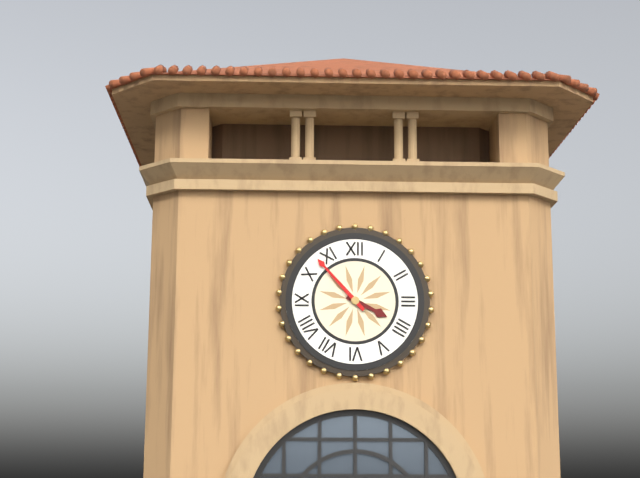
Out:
3 h 53 min
